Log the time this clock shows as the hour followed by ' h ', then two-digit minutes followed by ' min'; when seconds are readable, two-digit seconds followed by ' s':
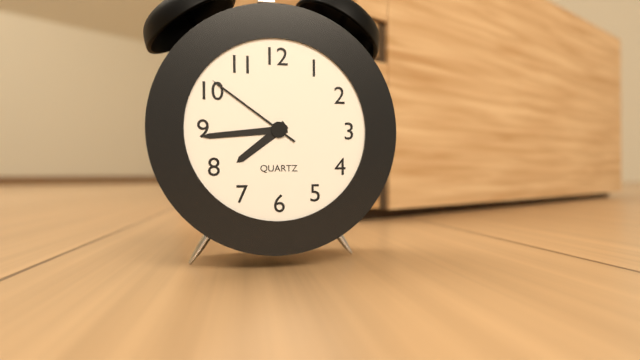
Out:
7 h 44 min 51 s
